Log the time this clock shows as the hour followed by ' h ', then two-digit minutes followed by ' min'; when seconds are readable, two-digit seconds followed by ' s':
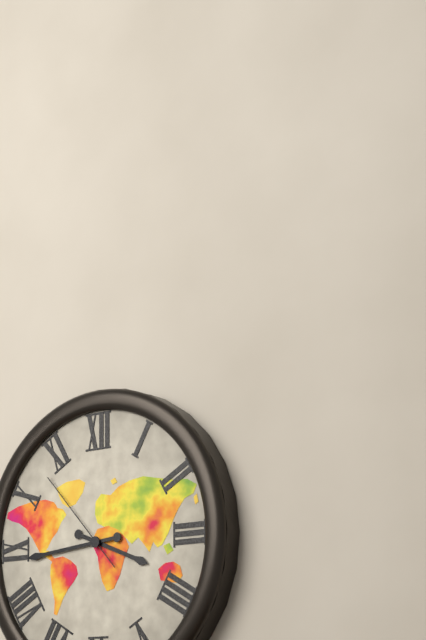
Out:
3 h 44 min 53 s
